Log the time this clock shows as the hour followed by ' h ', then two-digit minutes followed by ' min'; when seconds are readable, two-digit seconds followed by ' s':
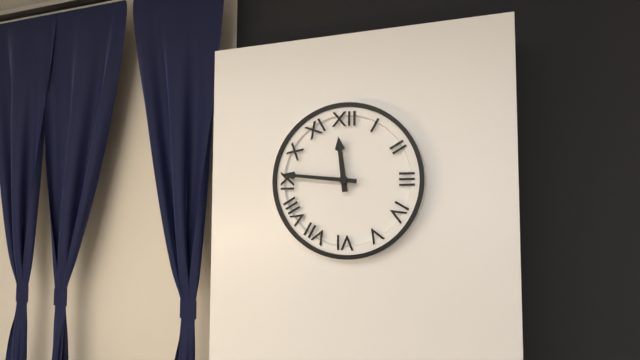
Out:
11 h 46 min
